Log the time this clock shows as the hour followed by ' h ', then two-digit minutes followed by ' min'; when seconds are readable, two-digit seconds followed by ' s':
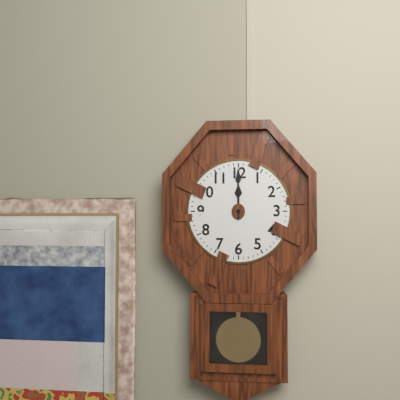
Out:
12 h 00 min
